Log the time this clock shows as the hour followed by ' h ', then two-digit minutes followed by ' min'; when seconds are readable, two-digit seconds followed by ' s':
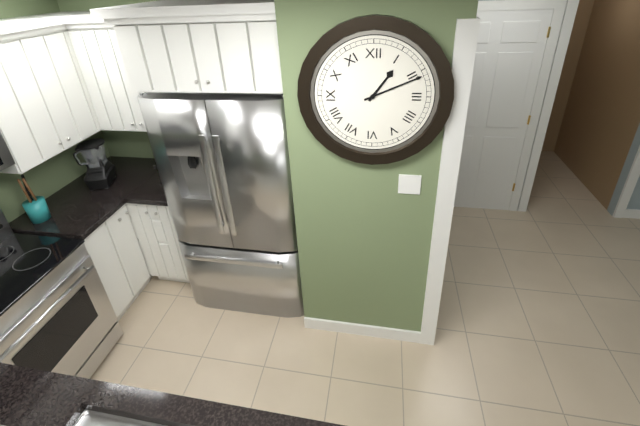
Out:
1 h 11 min
